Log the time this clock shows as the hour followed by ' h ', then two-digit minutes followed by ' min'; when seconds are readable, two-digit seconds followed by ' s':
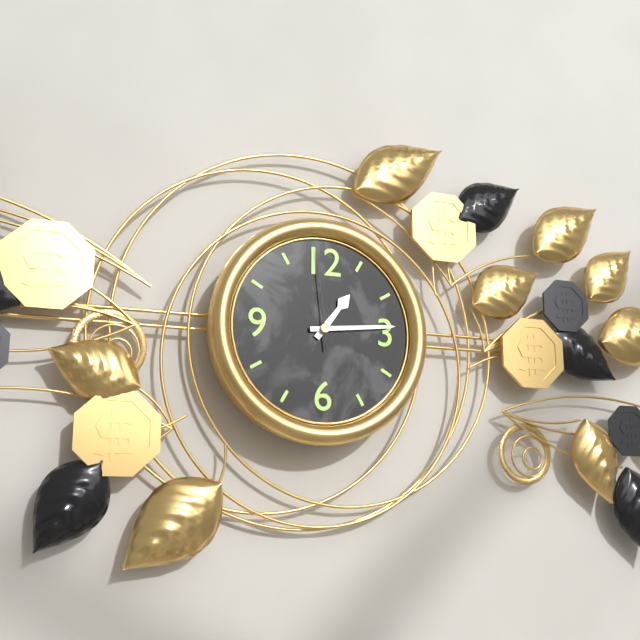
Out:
1 h 14 min 59 s
